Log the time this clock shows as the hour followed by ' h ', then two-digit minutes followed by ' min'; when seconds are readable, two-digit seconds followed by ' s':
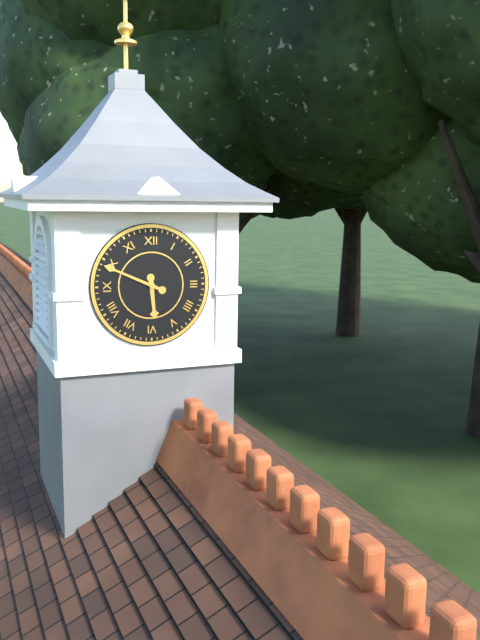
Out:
5 h 49 min
